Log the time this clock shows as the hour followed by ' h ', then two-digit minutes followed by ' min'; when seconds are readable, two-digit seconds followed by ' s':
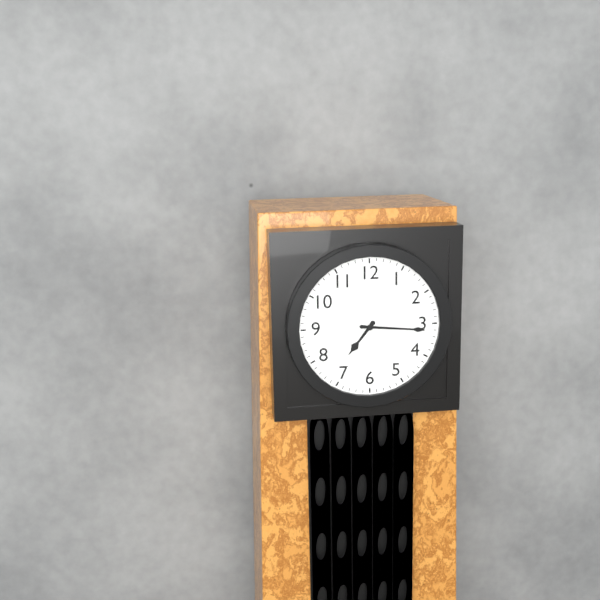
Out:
7 h 16 min
